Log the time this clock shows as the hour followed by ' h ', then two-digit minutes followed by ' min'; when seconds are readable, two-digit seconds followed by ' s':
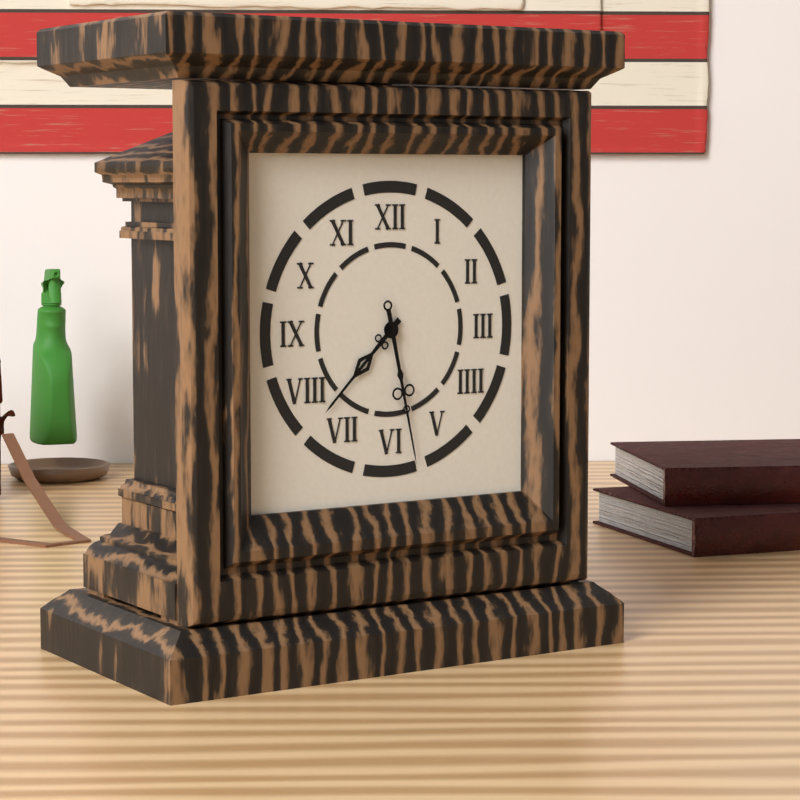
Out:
7 h 28 min
